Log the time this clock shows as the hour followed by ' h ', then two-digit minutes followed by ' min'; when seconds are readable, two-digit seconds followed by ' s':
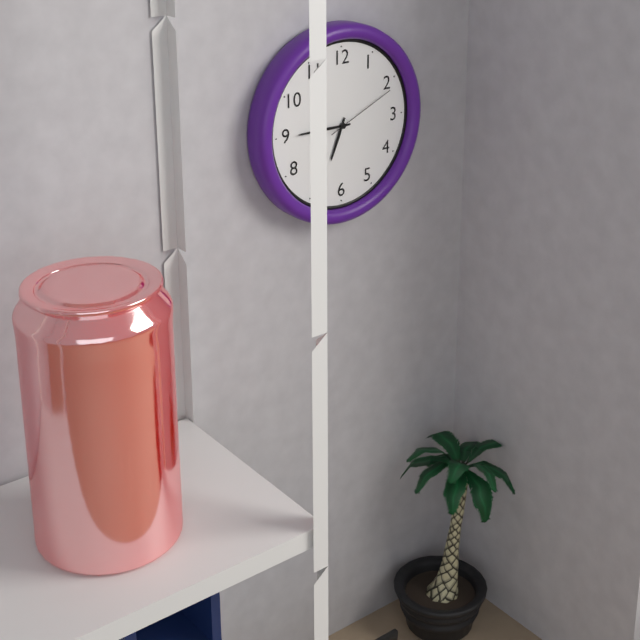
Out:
6 h 45 min 11 s
